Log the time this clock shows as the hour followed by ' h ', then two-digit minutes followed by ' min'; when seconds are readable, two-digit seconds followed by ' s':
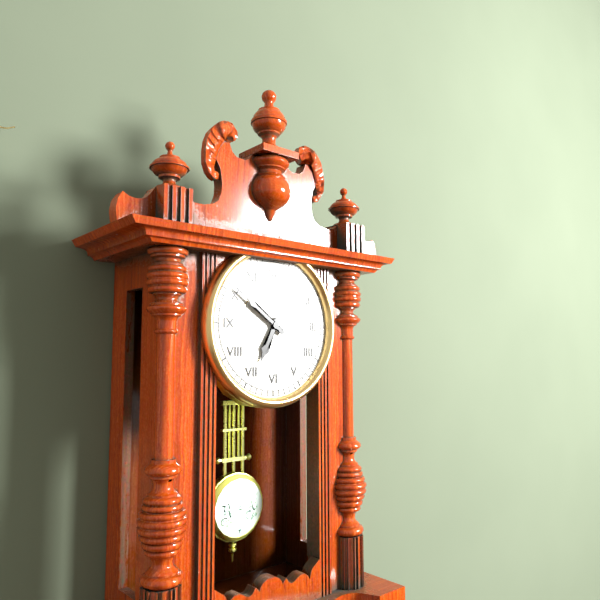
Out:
6 h 51 min
